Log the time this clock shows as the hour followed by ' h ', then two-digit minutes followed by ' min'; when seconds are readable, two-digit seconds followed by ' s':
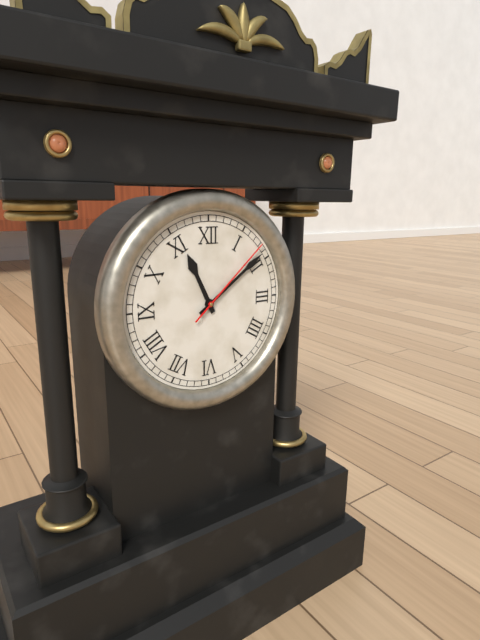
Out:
11 h 09 min 08 s
